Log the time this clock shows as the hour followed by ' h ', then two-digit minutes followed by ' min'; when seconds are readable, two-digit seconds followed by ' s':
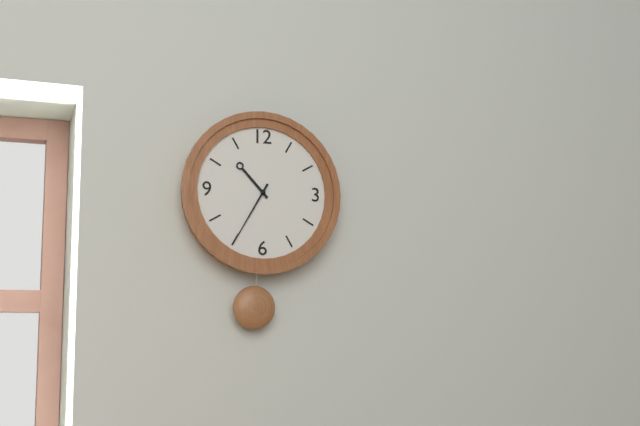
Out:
10 h 35 min
